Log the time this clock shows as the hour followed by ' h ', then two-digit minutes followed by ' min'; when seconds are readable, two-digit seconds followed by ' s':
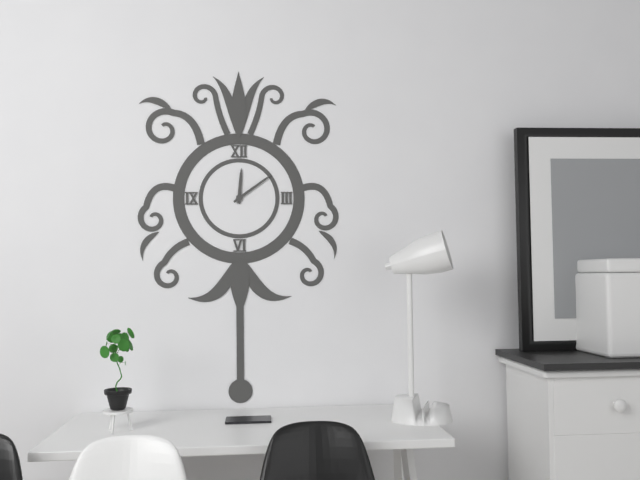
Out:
12 h 09 min
